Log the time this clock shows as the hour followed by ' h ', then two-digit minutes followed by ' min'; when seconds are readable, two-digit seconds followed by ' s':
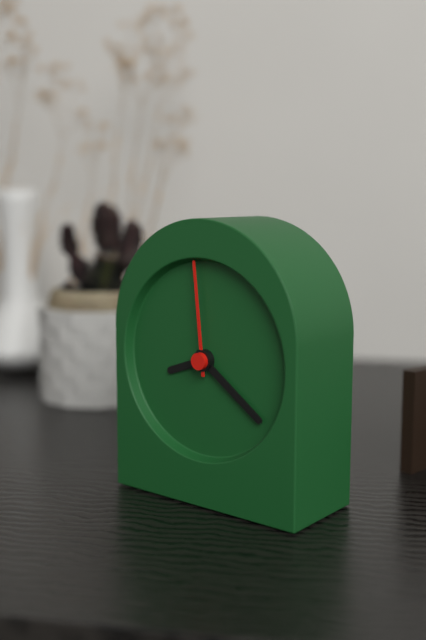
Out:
8 h 21 min 59 s
